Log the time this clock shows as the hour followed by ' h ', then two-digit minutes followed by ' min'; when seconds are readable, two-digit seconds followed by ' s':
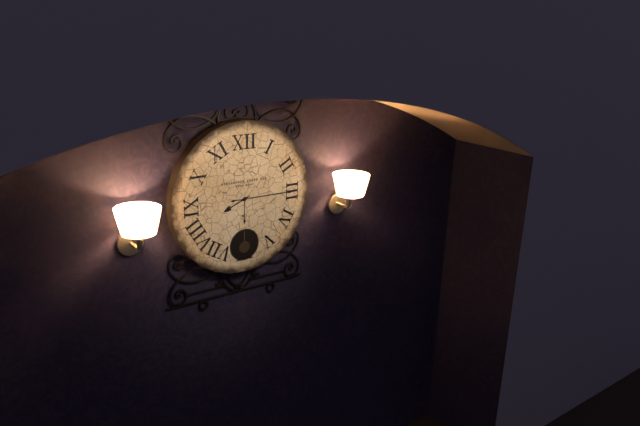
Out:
8 h 15 min
